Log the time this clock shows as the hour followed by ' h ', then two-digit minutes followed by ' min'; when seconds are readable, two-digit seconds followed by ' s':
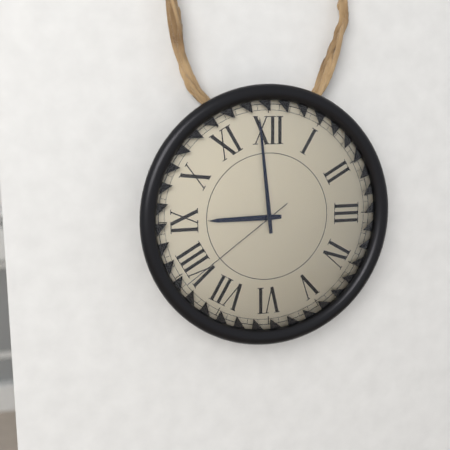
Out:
8 h 59 min 39 s
